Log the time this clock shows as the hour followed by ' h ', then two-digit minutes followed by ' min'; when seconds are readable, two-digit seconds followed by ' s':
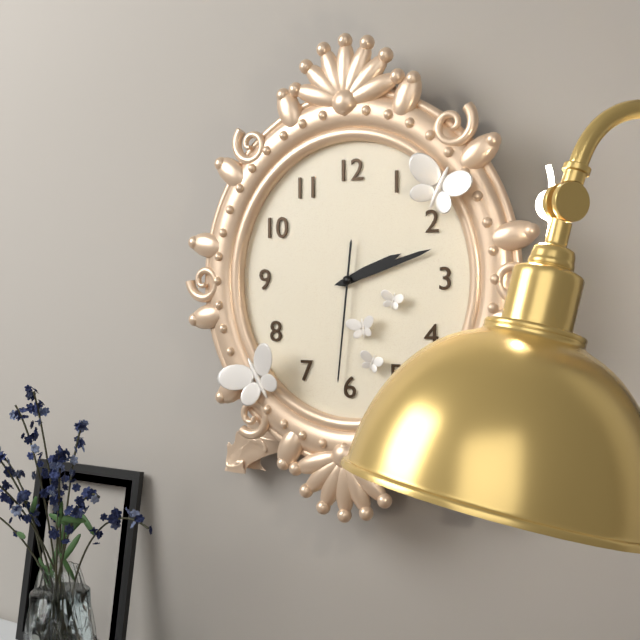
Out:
2 h 12 min 31 s
